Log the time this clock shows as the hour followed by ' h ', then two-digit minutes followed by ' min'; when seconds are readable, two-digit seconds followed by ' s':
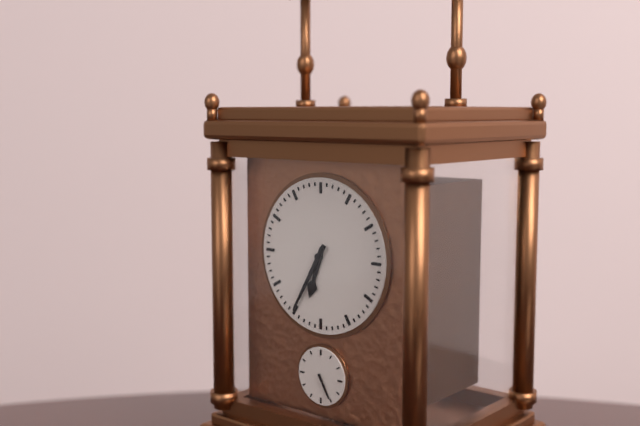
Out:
6 h 35 min
